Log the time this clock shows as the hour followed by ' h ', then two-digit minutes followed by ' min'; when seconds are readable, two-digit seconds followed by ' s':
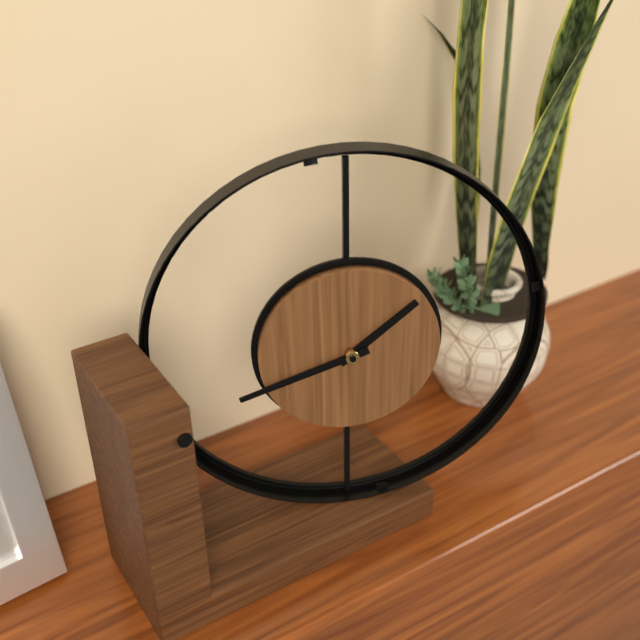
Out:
1 h 42 min
